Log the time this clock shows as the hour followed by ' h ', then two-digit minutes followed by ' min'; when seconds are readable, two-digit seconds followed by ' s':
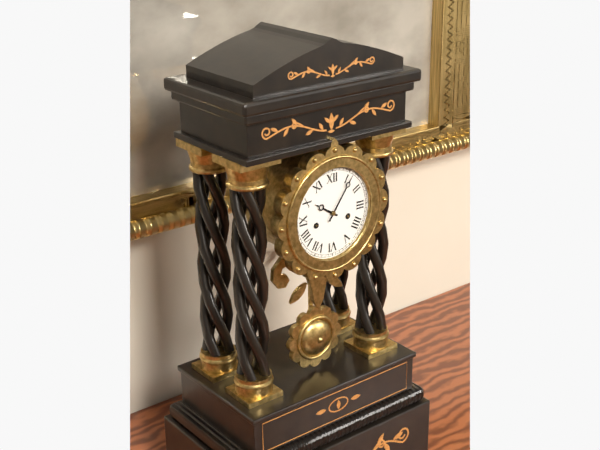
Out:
10 h 06 min
